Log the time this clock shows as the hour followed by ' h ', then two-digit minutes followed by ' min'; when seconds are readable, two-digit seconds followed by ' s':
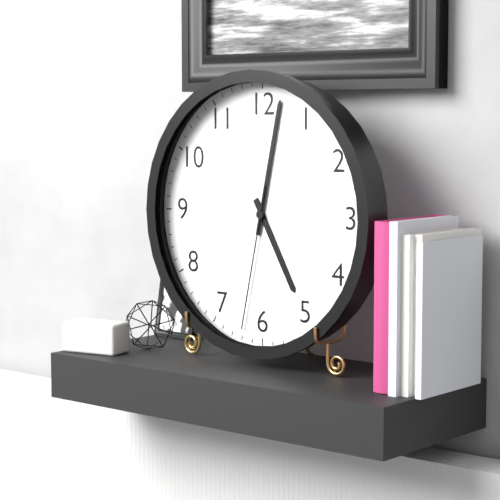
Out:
5 h 02 min 32 s
